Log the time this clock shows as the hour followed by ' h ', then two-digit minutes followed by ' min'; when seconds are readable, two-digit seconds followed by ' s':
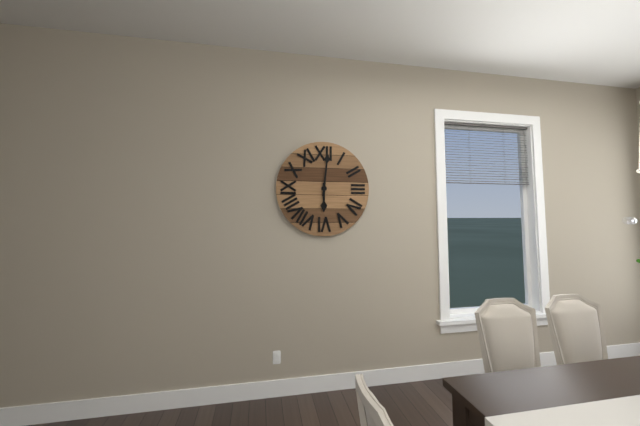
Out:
6 h 01 min
